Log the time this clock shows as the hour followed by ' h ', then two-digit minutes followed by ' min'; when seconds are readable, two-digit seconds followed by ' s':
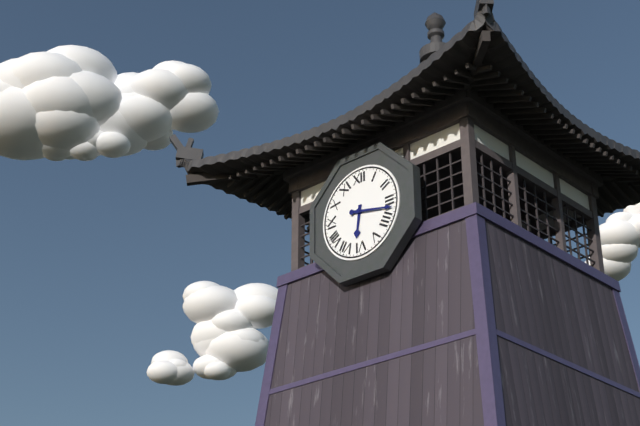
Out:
6 h 17 min
